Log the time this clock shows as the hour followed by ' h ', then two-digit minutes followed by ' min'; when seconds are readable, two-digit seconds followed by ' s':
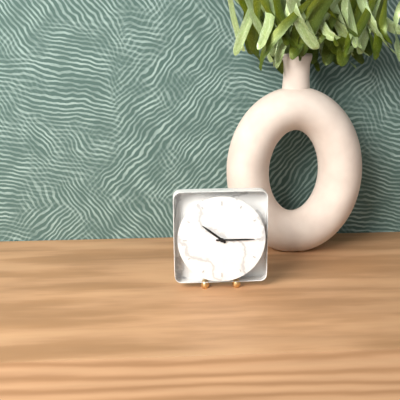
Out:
10 h 15 min
